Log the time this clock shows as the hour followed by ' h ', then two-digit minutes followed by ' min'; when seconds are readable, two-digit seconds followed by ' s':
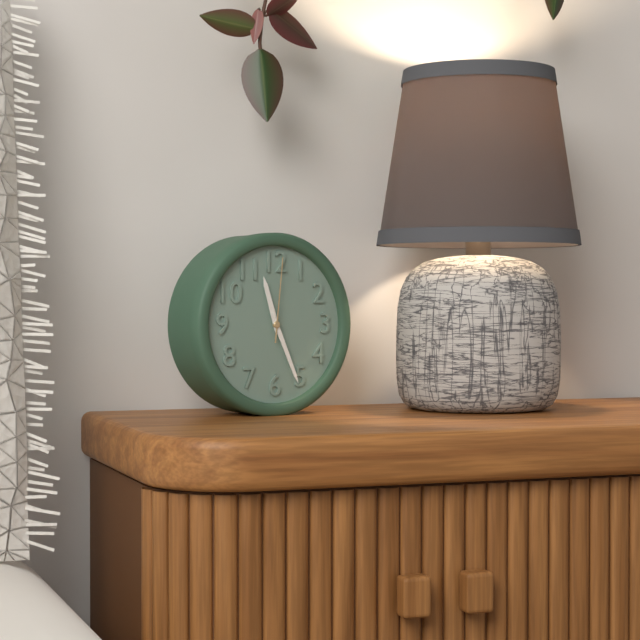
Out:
11 h 26 min 01 s
